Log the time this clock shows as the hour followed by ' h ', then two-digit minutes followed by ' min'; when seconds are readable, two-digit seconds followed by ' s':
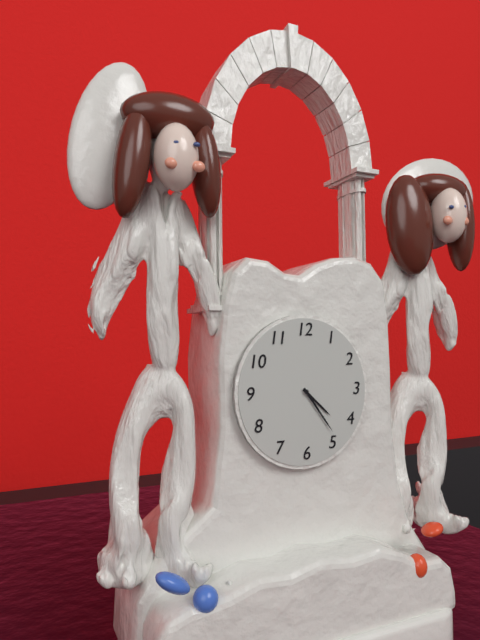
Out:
4 h 24 min
